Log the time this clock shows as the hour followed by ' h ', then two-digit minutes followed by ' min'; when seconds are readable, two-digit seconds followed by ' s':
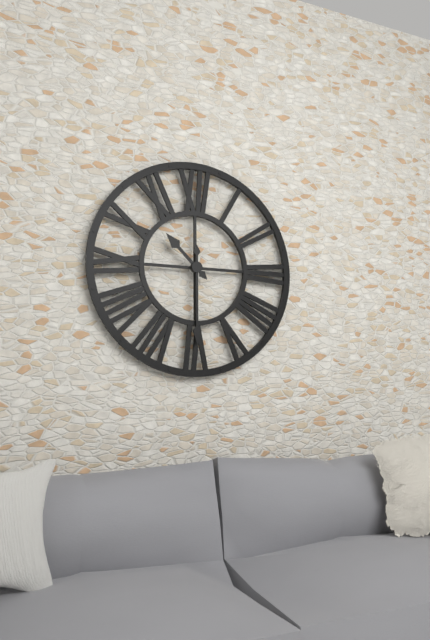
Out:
10 h 30 min
